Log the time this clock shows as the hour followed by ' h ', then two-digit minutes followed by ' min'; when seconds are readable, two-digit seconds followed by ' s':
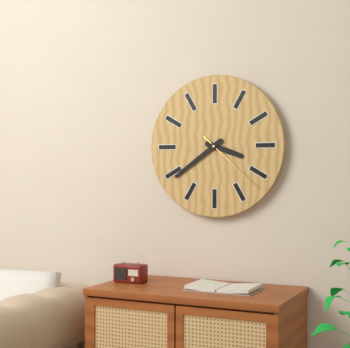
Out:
3 h 39 min 22 s
